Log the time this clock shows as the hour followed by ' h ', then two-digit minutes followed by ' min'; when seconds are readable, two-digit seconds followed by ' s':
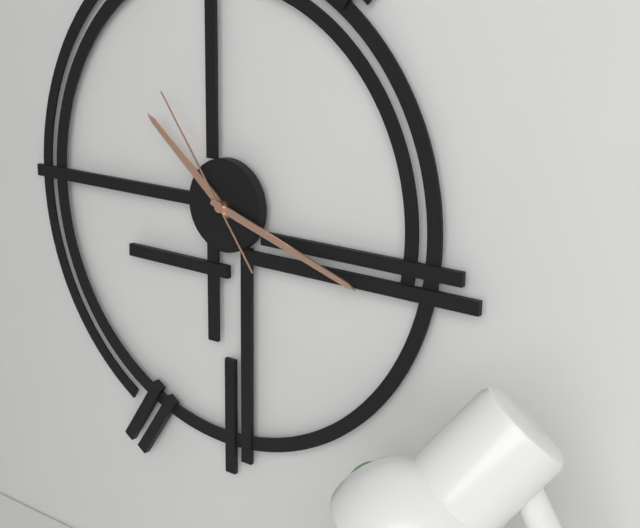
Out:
10 h 18 min 54 s
